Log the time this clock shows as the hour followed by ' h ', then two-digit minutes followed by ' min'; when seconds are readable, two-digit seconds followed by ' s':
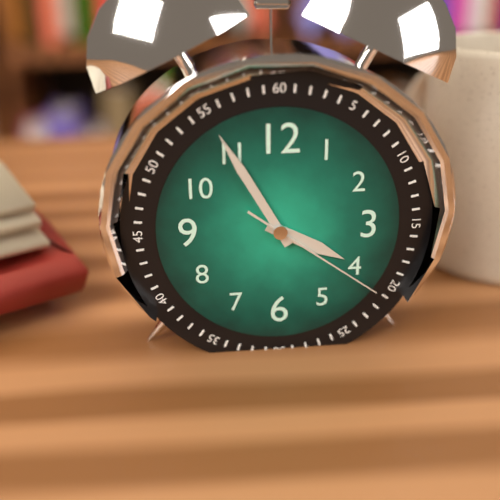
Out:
3 h 55 min 21 s
